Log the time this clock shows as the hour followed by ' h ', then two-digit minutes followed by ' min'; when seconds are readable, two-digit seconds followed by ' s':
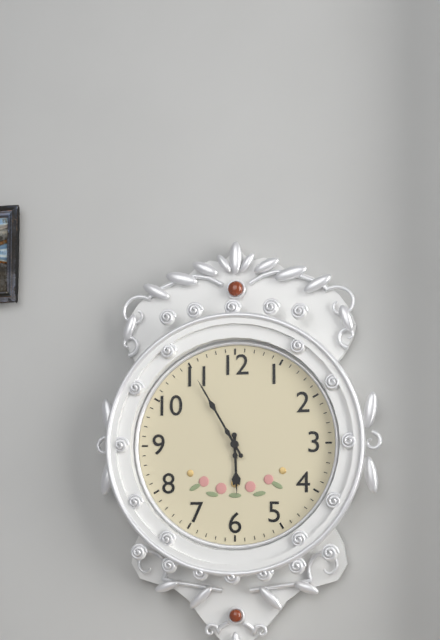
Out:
5 h 55 min
